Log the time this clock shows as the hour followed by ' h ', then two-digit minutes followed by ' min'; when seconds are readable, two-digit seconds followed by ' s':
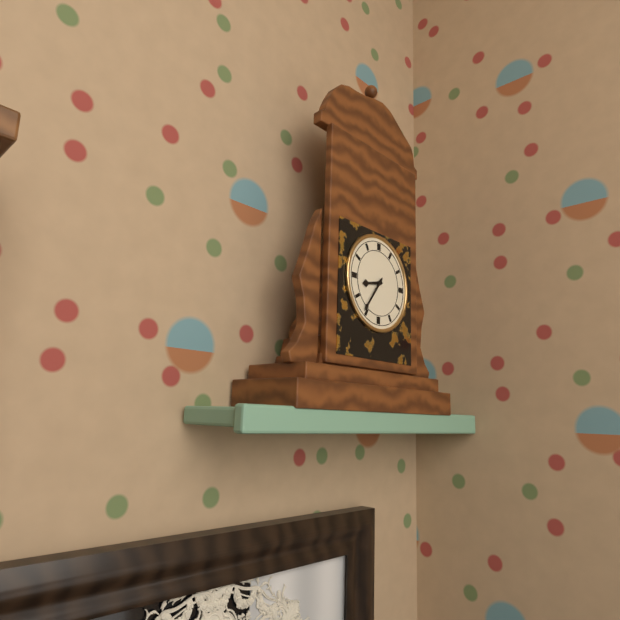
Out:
8 h 36 min
